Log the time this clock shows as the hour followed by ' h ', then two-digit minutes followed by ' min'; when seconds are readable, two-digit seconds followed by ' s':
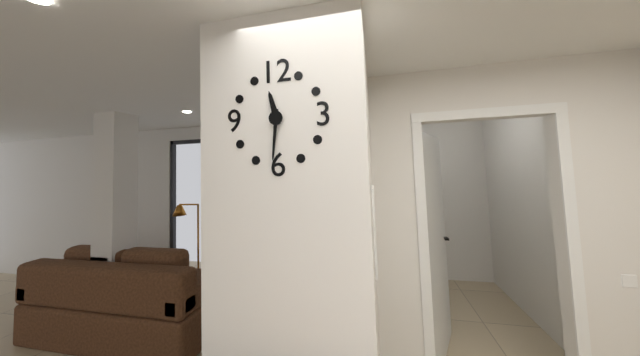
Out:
11 h 31 min
